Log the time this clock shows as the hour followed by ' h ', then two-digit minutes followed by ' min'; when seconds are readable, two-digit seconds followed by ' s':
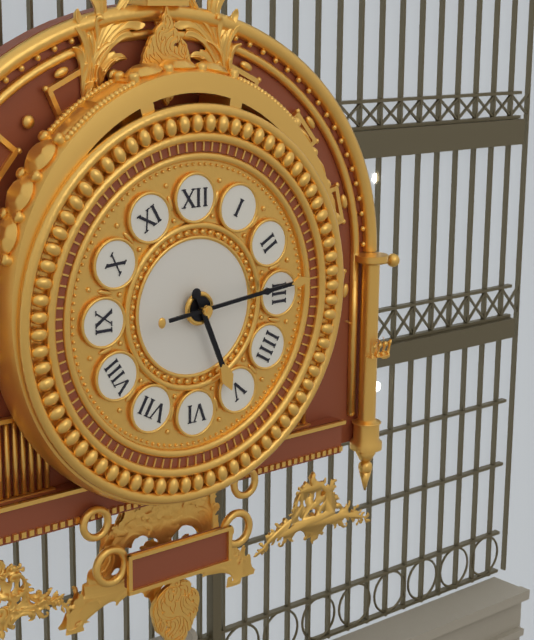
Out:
5 h 14 min
